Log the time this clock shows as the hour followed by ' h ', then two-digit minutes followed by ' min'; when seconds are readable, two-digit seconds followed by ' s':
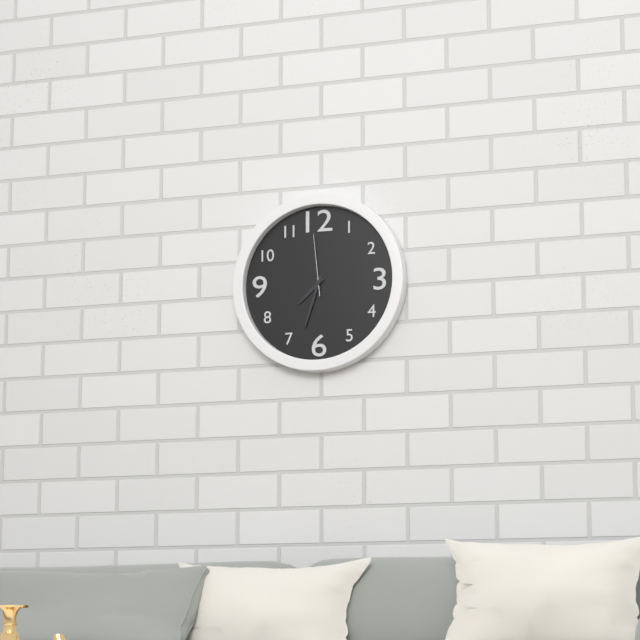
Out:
7 h 33 min 59 s
